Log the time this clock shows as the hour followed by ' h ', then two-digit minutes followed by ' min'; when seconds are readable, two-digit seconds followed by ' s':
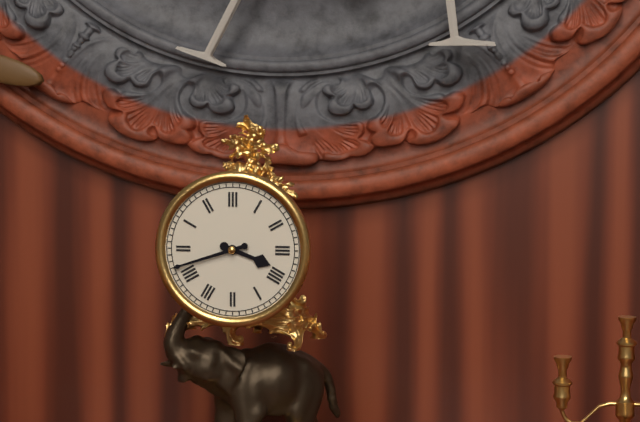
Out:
3 h 42 min
